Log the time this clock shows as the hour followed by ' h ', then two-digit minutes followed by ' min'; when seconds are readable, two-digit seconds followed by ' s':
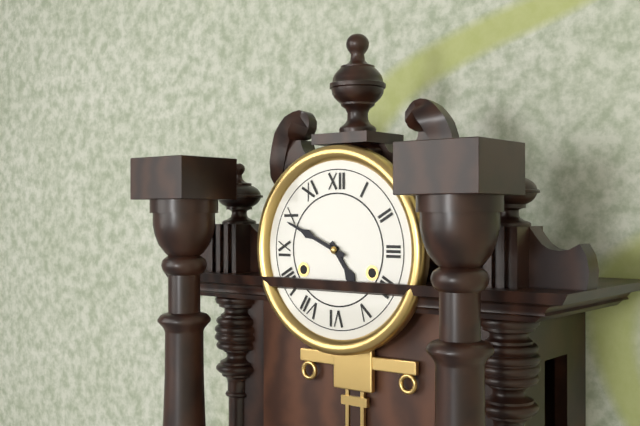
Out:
4 h 49 min
